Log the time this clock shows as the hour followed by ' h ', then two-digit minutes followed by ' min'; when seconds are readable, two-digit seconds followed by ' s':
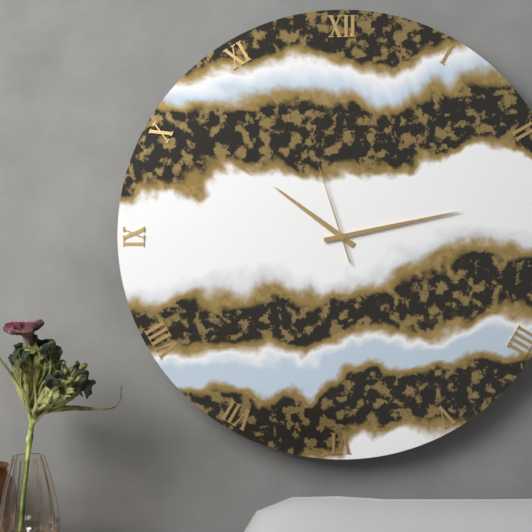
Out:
10 h 13 min 57 s
